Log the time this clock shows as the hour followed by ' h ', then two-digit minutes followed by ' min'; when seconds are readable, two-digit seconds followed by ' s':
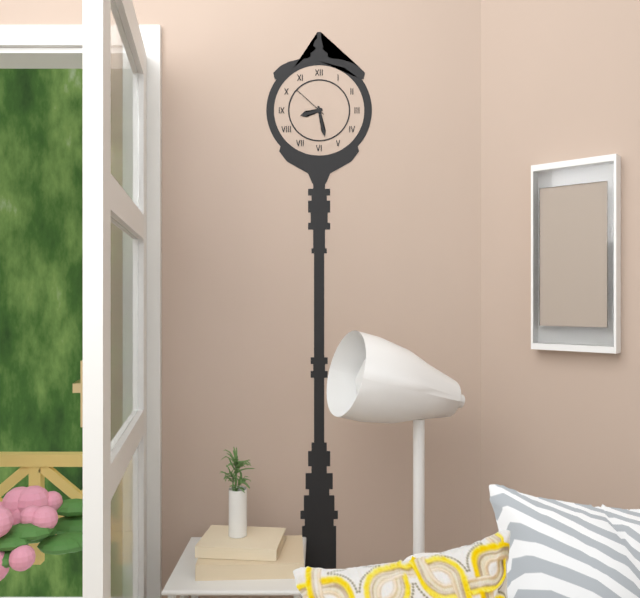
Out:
8 h 28 min
